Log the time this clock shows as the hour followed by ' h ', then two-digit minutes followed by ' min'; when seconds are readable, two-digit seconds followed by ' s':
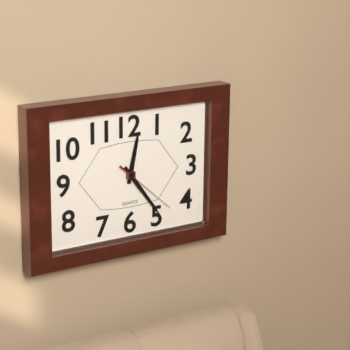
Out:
12 h 24 min 22 s
